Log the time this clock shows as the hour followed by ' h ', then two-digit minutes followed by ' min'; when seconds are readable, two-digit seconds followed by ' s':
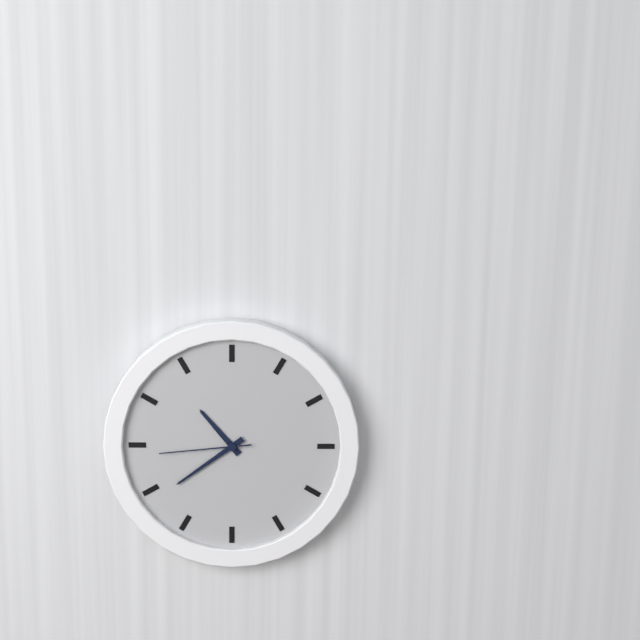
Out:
10 h 39 min 44 s
